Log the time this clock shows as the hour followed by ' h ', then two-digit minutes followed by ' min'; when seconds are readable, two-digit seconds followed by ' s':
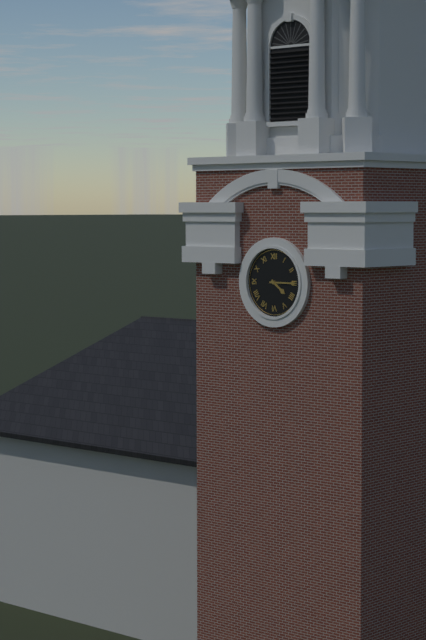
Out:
4 h 15 min
